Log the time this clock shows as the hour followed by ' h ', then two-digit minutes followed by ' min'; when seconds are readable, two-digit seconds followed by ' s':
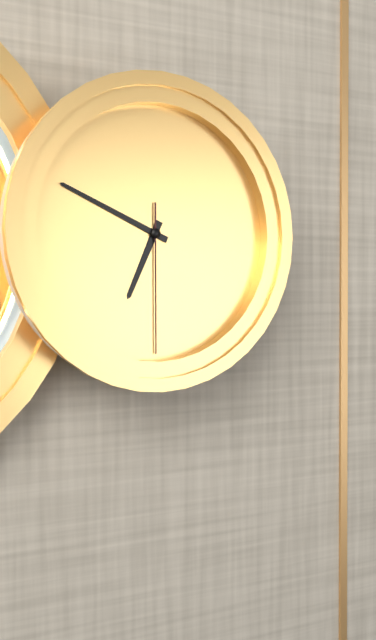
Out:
6 h 49 min 30 s
